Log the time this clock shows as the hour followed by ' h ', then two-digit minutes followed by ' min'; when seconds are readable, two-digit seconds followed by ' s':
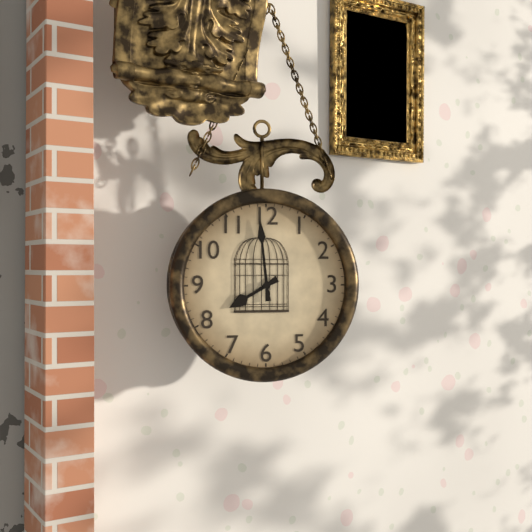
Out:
7 h 59 min
